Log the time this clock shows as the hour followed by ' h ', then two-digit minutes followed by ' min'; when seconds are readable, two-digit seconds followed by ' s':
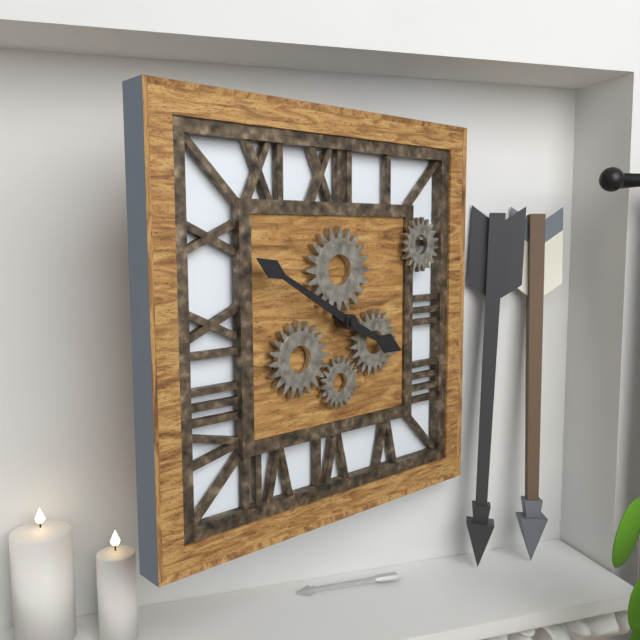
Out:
3 h 50 min
